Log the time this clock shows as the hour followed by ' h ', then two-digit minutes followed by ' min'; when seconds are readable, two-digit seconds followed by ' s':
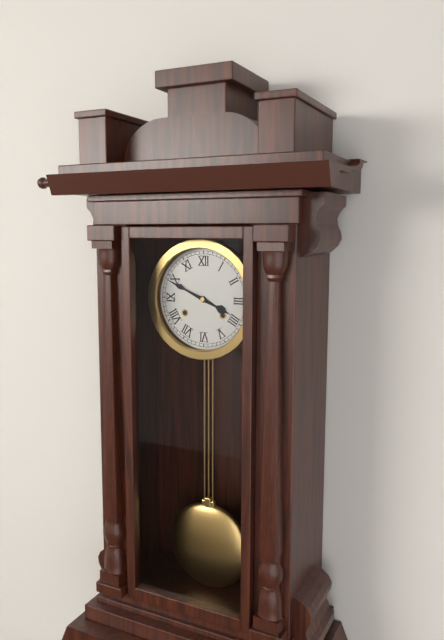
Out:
3 h 49 min
